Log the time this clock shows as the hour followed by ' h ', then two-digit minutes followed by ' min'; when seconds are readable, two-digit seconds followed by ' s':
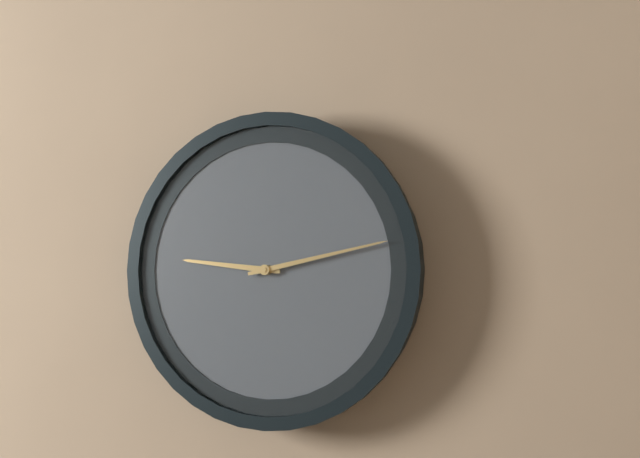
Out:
9 h 13 min
